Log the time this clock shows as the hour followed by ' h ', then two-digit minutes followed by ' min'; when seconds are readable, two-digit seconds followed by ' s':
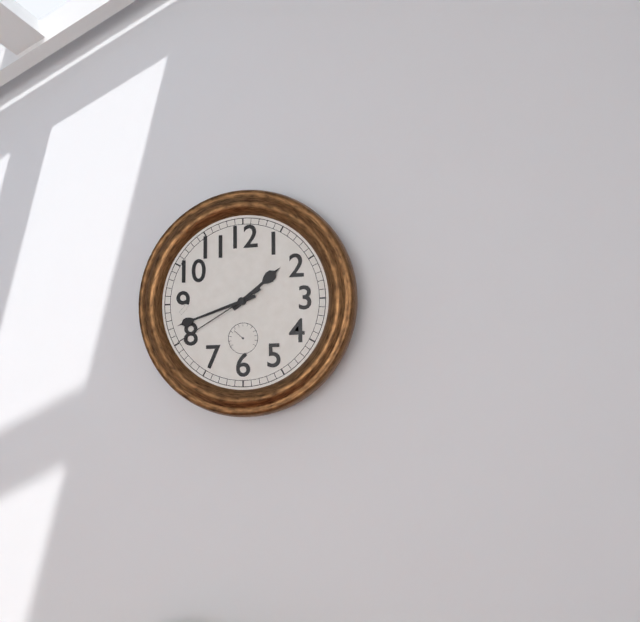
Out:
1 h 42 min 40 s
